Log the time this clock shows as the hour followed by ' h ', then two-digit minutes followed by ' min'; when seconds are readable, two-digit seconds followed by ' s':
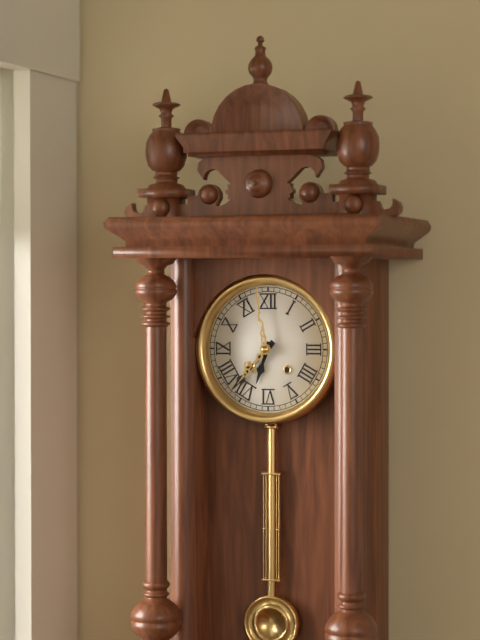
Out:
6 h 37 min
